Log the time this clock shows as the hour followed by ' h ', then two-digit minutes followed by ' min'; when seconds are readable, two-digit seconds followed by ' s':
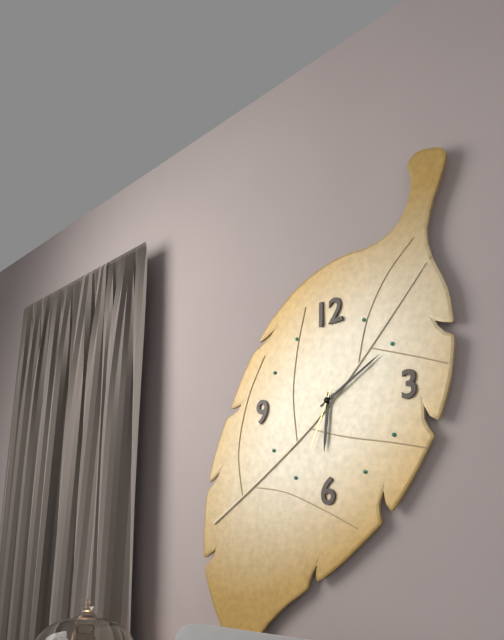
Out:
6 h 10 min 34 s
